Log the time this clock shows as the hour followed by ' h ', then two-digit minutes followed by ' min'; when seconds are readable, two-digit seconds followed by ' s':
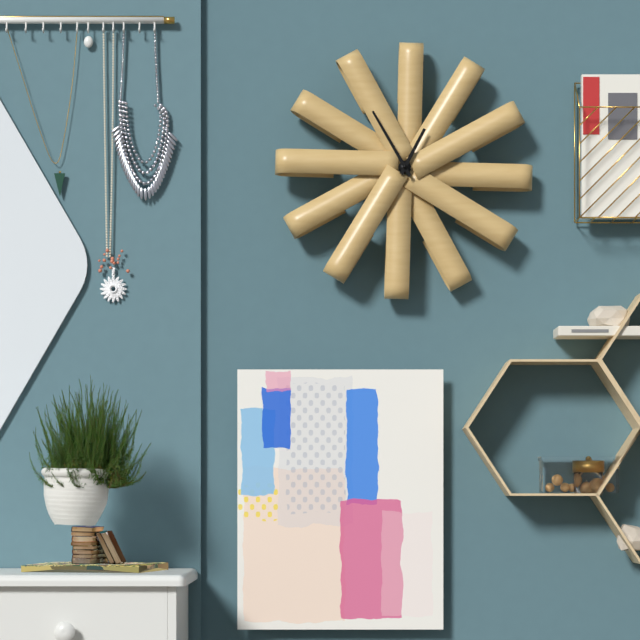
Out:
12 h 55 min
